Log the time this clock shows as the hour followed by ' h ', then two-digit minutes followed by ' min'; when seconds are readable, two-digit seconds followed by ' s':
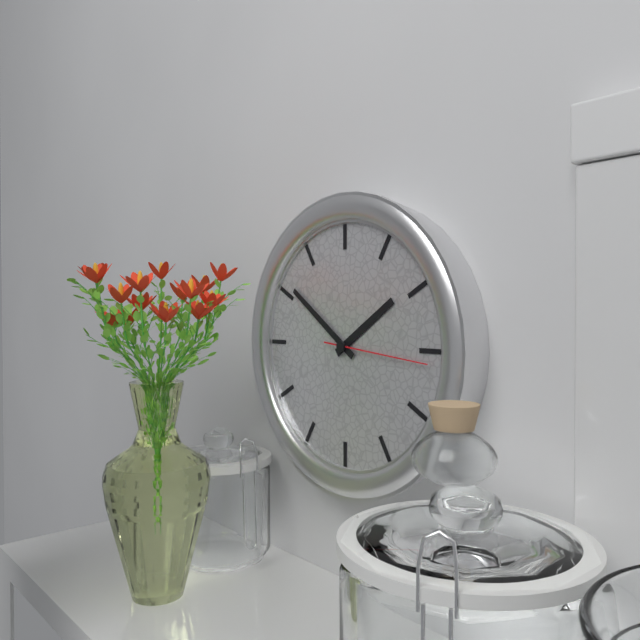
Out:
1 h 51 min 16 s
